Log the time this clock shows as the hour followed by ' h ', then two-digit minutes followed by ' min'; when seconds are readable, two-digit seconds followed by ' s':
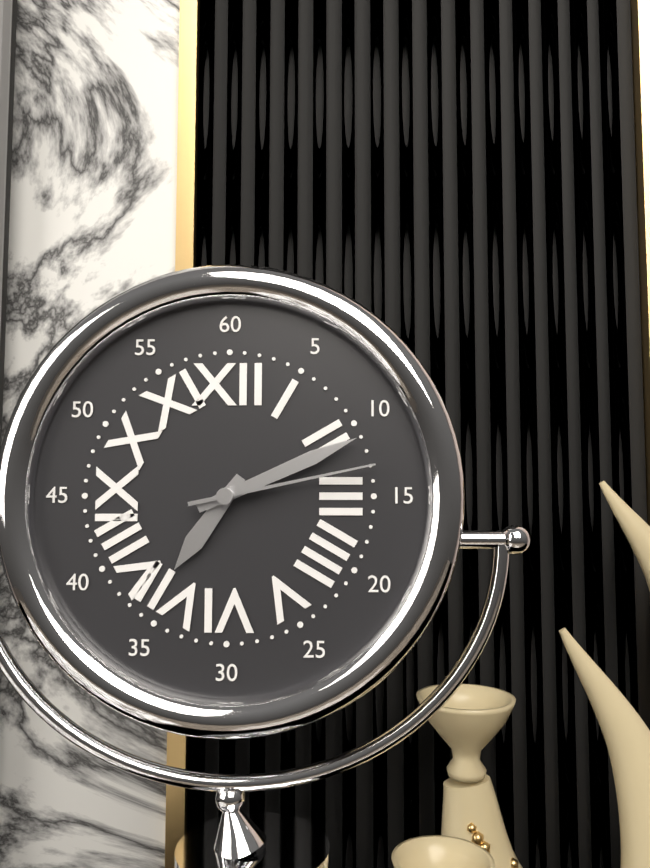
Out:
7 h 11 min 13 s
